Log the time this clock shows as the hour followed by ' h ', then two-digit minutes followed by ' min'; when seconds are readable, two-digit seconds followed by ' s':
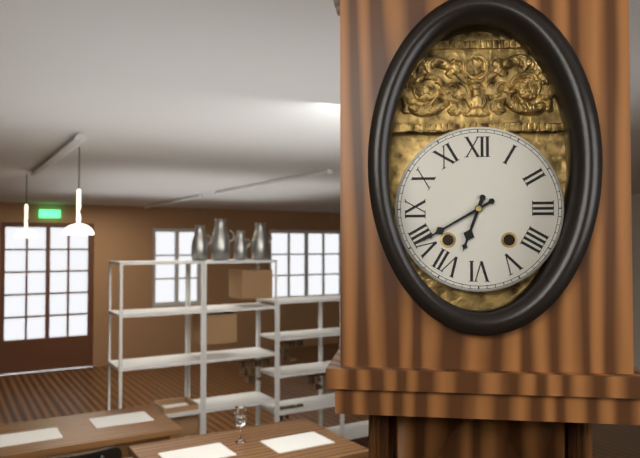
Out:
6 h 40 min
